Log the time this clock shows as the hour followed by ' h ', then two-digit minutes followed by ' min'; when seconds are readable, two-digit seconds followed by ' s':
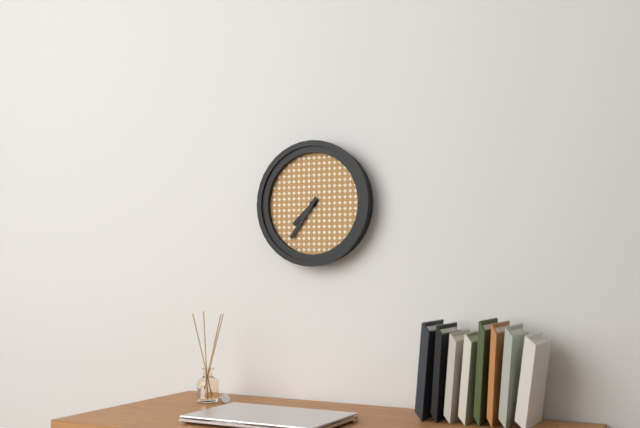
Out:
7 h 36 min
